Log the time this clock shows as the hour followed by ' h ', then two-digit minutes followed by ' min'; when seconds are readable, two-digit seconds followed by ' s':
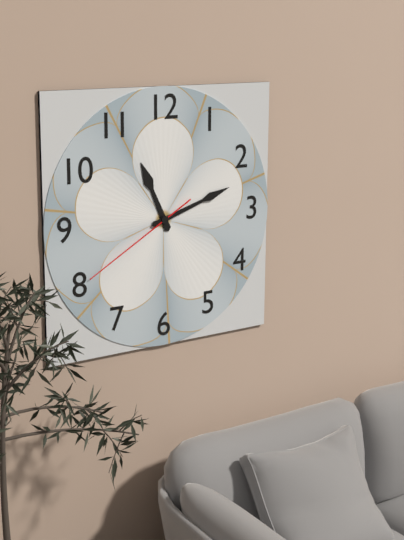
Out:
11 h 12 min 40 s
